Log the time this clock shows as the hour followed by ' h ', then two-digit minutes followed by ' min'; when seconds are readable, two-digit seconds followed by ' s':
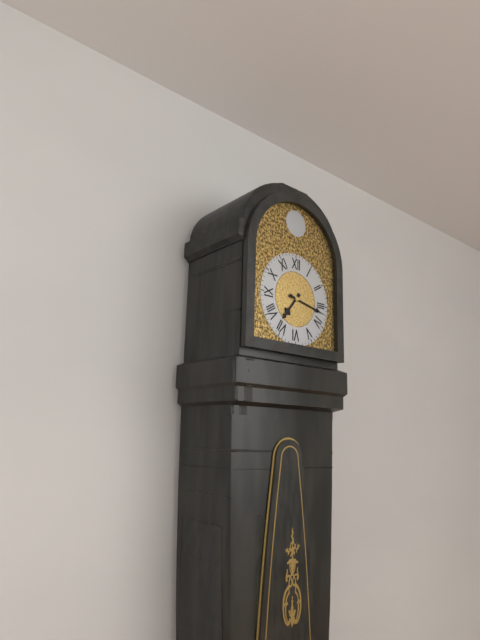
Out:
7 h 17 min
